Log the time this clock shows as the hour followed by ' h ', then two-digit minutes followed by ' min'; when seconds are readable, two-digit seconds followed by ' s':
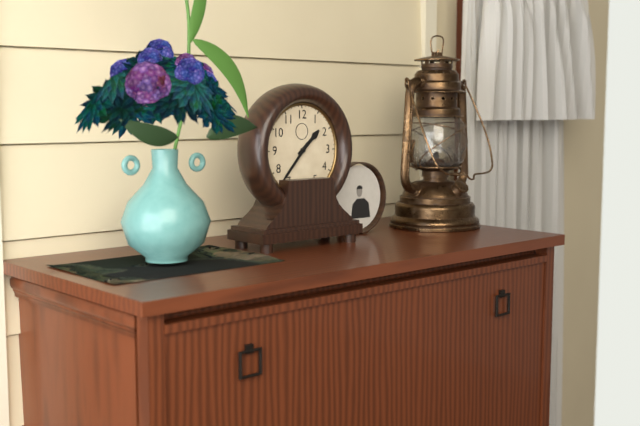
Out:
1 h 37 min
